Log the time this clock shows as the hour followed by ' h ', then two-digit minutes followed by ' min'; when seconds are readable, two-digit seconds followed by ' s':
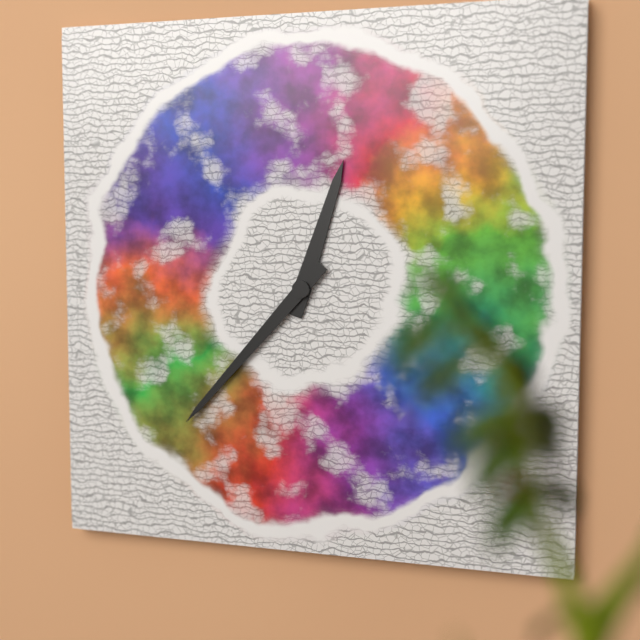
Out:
12 h 37 min
